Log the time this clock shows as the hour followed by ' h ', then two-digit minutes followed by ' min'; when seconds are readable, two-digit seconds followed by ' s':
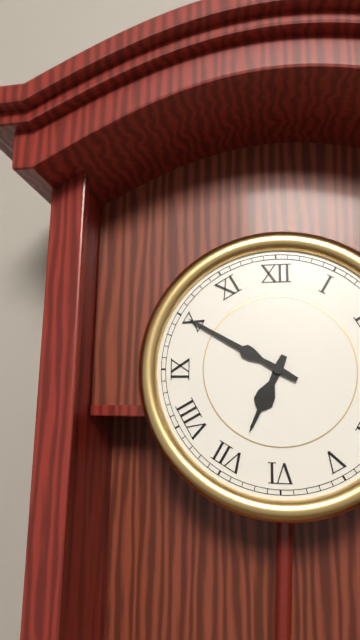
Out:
6 h 50 min
